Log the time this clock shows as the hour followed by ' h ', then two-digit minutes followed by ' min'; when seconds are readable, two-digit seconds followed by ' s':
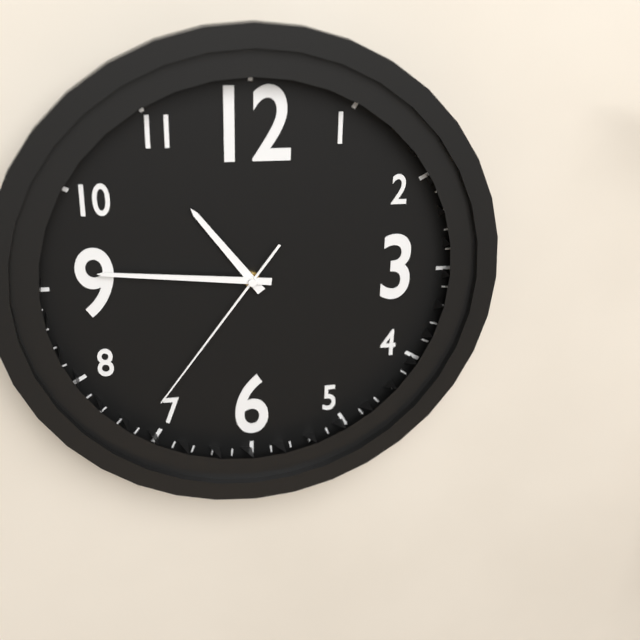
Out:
10 h 46 min 36 s
